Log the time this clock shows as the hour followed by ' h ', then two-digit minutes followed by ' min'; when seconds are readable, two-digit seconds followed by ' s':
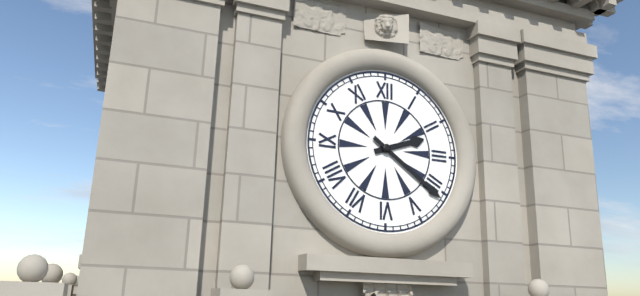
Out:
2 h 21 min
